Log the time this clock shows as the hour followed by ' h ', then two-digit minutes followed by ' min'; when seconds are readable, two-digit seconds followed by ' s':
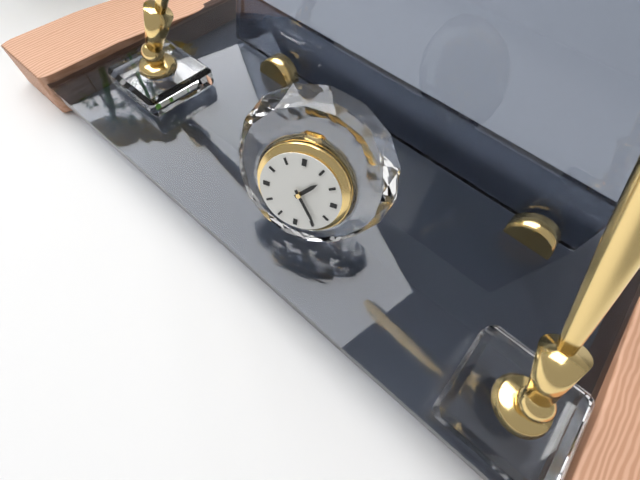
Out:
1 h 24 min
